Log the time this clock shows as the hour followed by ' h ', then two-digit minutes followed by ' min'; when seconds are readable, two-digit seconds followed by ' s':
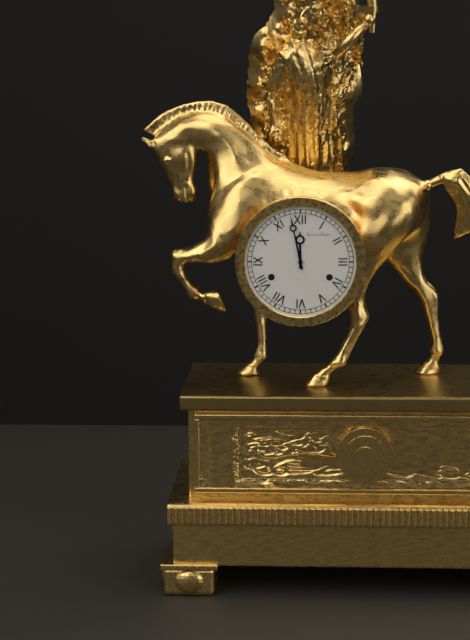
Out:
11 h 58 min
